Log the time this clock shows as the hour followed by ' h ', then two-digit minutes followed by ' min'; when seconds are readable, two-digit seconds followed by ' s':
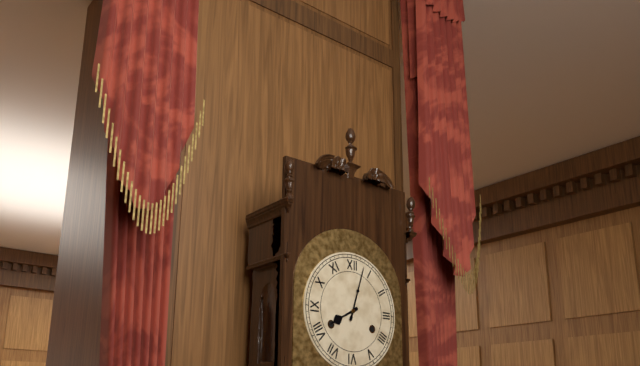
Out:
8 h 03 min
